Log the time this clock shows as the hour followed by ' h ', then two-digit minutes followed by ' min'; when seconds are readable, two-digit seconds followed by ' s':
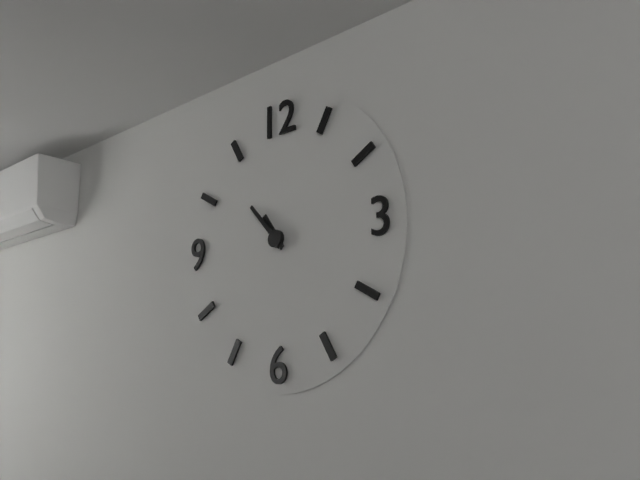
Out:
10 h 53 min
